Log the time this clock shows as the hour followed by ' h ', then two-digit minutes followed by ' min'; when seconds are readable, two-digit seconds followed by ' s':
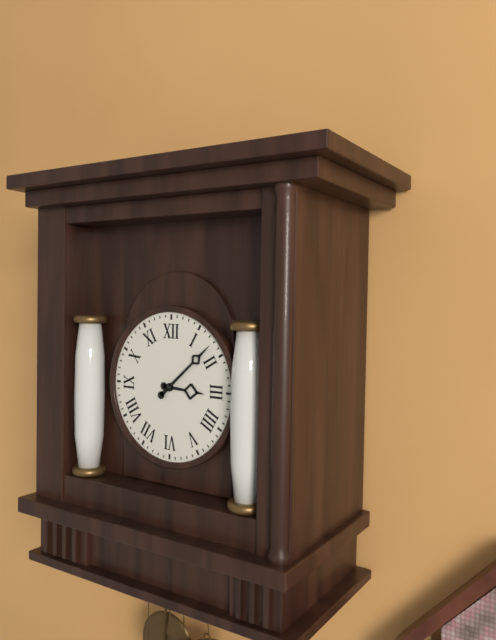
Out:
3 h 08 min
